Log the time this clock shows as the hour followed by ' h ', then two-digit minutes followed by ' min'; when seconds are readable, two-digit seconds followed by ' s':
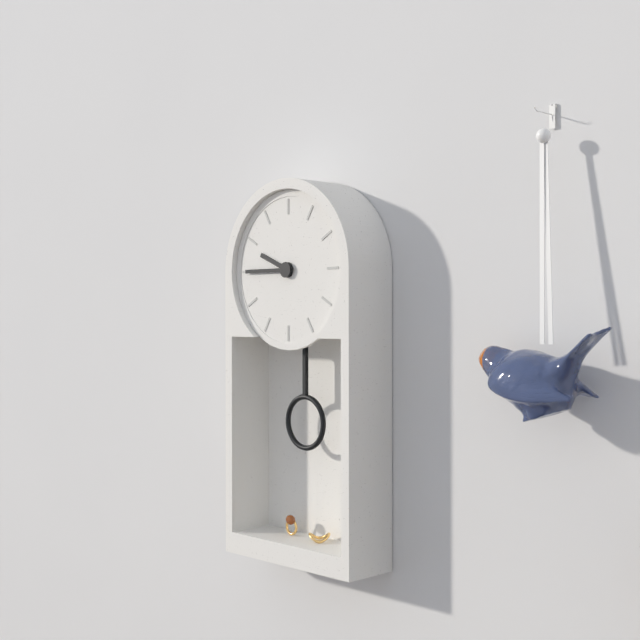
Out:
9 h 45 min
